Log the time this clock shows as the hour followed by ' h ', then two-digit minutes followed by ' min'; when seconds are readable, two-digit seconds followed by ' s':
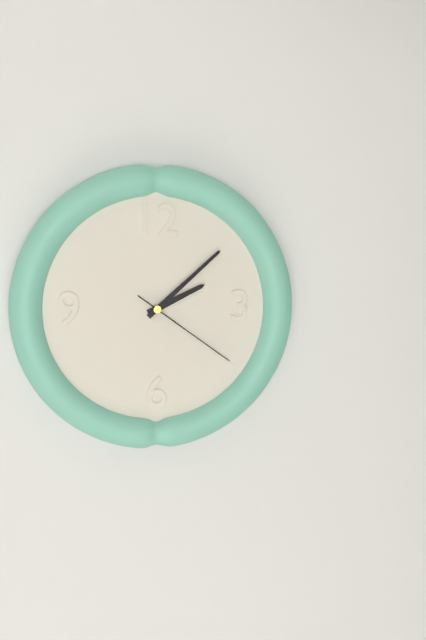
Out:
2 h 08 min 21 s
